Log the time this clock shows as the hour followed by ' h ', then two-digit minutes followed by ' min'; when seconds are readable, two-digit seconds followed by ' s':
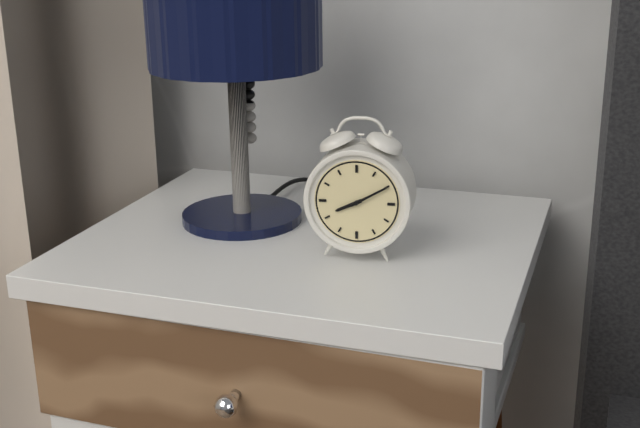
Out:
8 h 10 min
